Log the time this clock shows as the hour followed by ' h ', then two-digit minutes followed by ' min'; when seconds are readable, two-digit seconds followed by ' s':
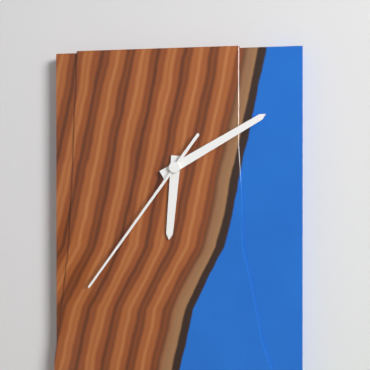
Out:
6 h 10 min 36 s
